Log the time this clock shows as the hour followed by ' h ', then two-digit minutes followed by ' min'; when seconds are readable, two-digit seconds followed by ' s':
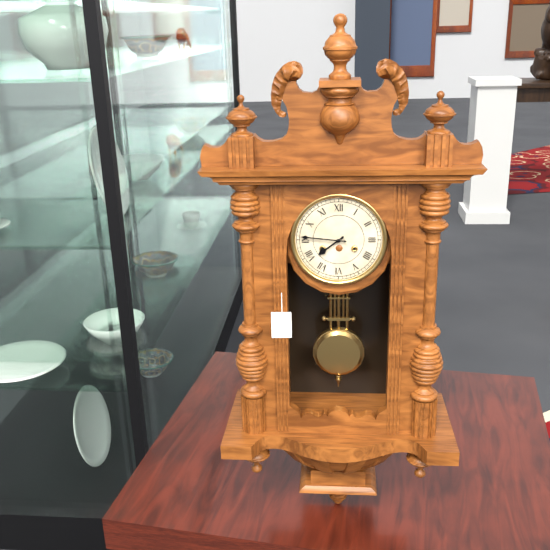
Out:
7 h 46 min
